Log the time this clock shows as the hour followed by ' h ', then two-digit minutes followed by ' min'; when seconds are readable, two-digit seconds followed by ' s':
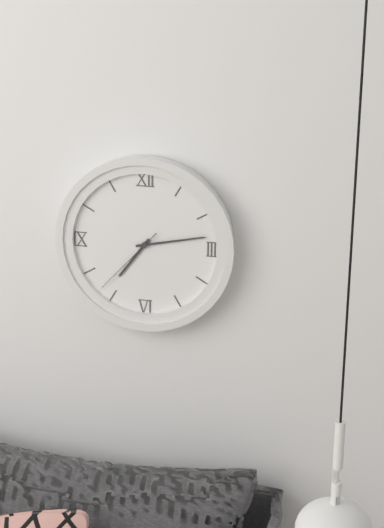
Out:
7 h 13 min 37 s
